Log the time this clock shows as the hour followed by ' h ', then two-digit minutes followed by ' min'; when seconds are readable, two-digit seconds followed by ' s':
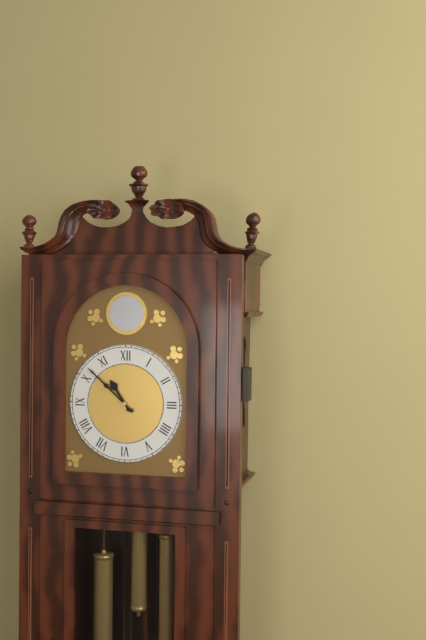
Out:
10 h 52 min
